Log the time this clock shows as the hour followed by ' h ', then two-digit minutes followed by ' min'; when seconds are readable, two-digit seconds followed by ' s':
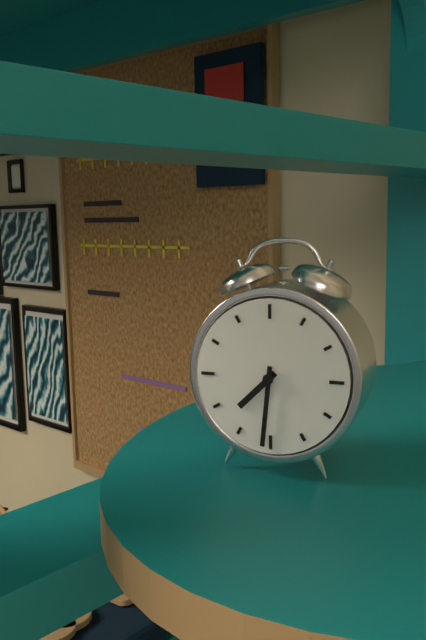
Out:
7 h 31 min
